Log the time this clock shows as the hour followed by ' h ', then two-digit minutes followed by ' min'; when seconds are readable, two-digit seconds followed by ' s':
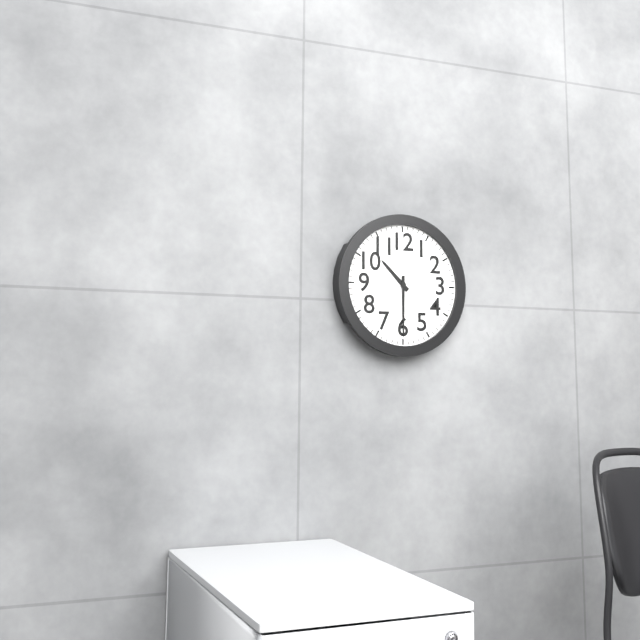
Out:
10 h 30 min
